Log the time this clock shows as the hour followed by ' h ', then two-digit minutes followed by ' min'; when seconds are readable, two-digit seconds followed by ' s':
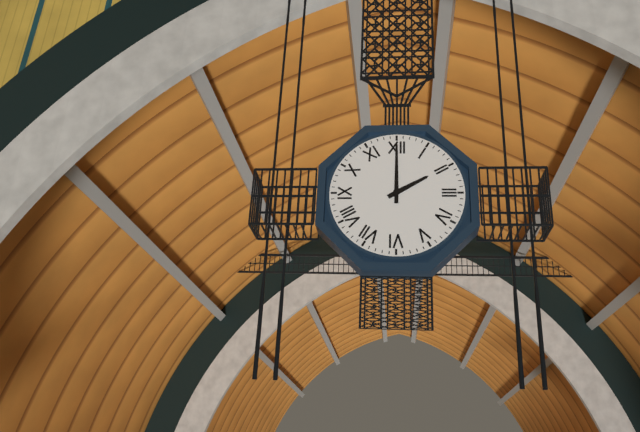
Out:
2 h 00 min
